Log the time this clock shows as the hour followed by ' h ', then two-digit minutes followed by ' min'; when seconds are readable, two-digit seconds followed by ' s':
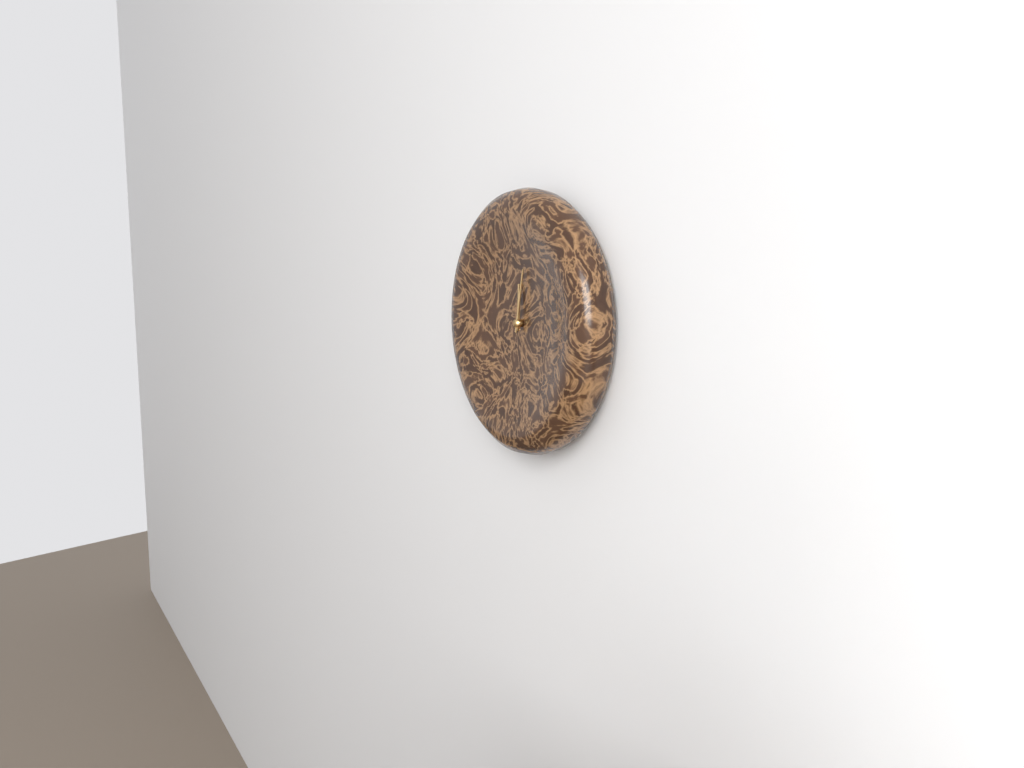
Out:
12 h 02 min
